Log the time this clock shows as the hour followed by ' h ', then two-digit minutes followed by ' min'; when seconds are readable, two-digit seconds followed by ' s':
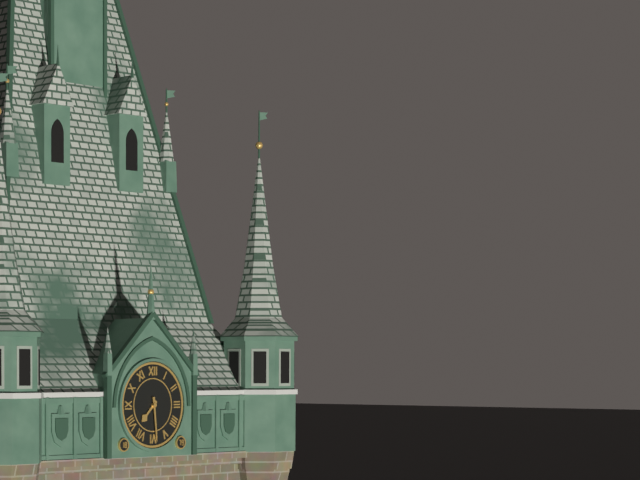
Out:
7 h 29 min
